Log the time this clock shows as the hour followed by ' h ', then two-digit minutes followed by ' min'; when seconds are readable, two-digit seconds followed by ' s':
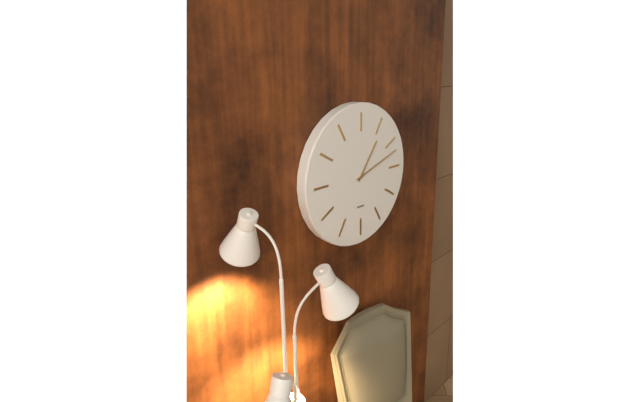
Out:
1 h 12 min
